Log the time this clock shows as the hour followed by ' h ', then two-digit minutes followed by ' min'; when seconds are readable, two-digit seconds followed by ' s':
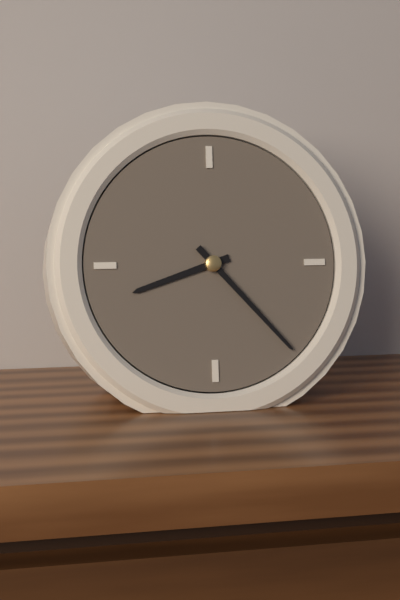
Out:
8 h 23 min
